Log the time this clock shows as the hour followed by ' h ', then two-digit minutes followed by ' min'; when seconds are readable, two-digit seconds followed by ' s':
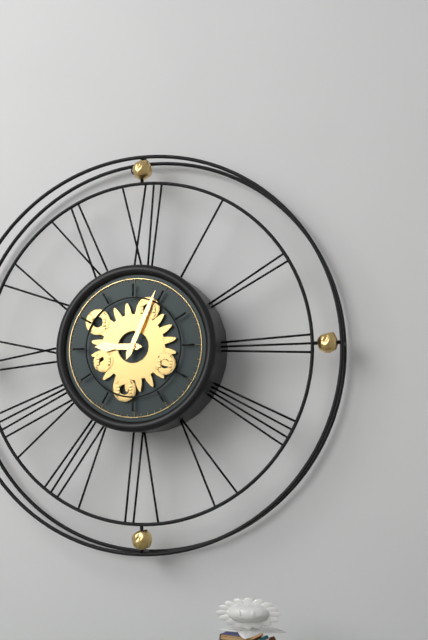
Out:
9 h 04 min
